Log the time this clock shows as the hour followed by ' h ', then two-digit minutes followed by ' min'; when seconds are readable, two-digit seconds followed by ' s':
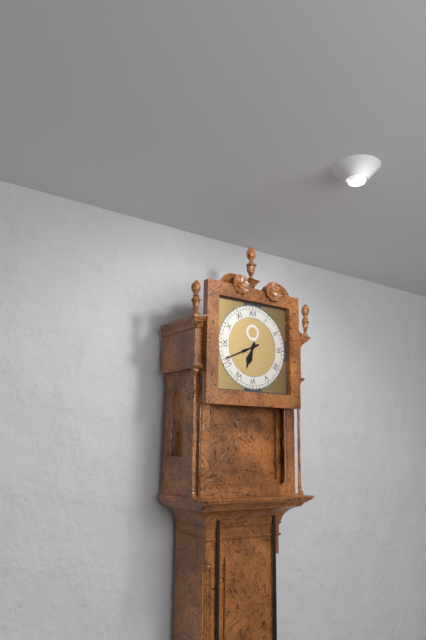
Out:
6 h 41 min
